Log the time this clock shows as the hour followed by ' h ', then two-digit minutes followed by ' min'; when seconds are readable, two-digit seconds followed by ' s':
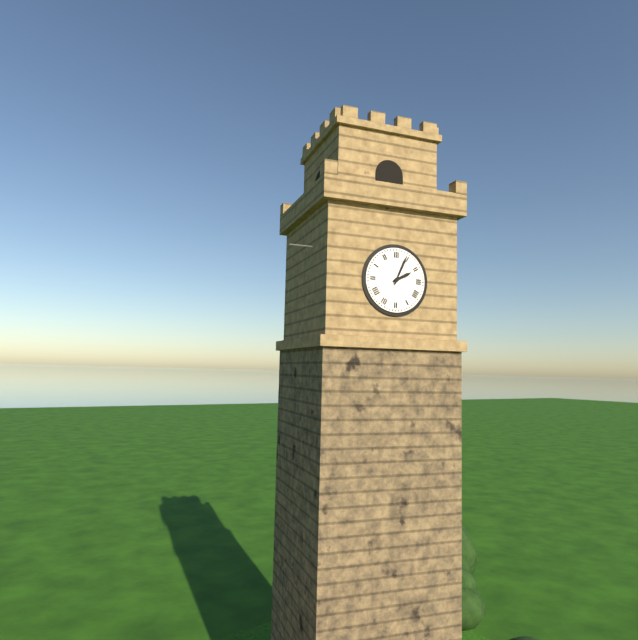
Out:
2 h 04 min
